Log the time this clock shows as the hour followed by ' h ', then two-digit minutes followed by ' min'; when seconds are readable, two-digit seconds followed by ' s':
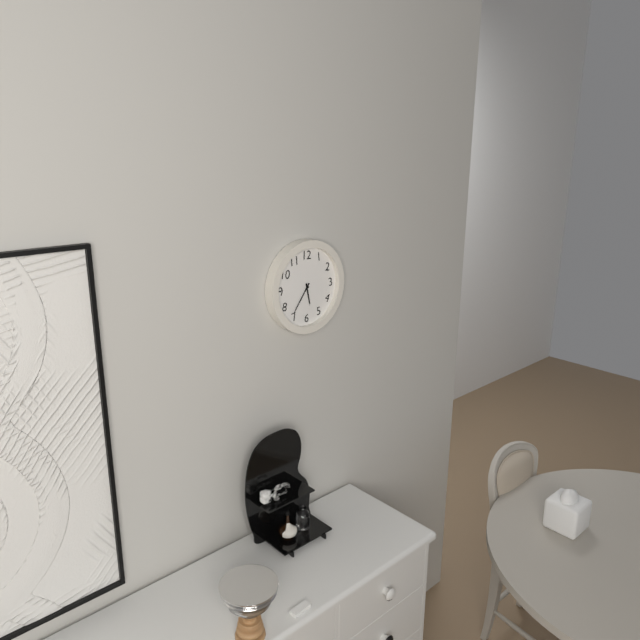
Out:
5 h 36 min
